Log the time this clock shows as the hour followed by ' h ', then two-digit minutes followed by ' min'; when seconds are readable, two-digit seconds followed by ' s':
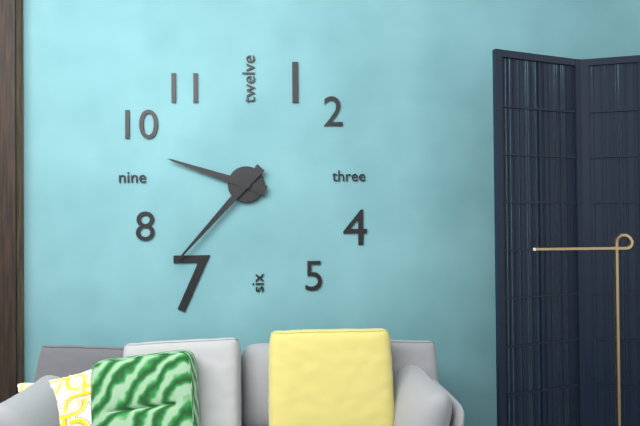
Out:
9 h 37 min
